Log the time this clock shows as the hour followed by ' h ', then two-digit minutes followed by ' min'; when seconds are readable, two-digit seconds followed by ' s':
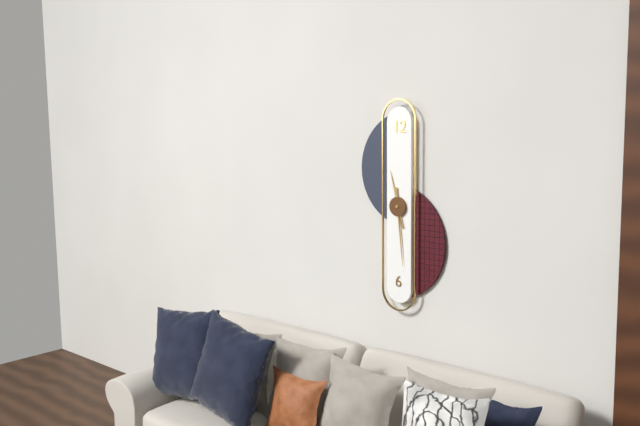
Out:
11 h 29 min
